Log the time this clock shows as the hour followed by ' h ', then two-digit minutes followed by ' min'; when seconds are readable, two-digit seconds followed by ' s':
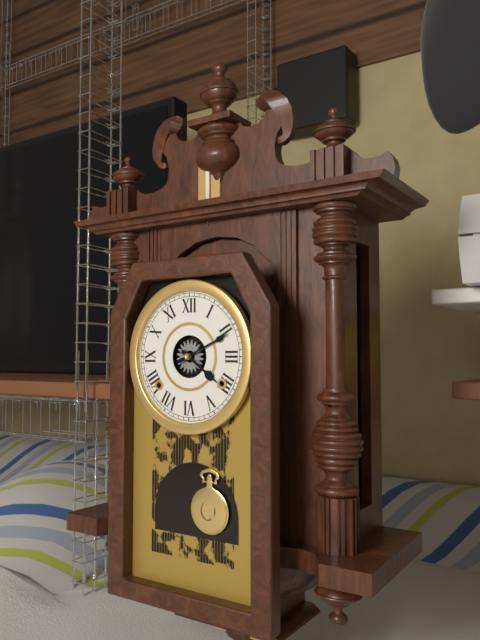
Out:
4 h 11 min
